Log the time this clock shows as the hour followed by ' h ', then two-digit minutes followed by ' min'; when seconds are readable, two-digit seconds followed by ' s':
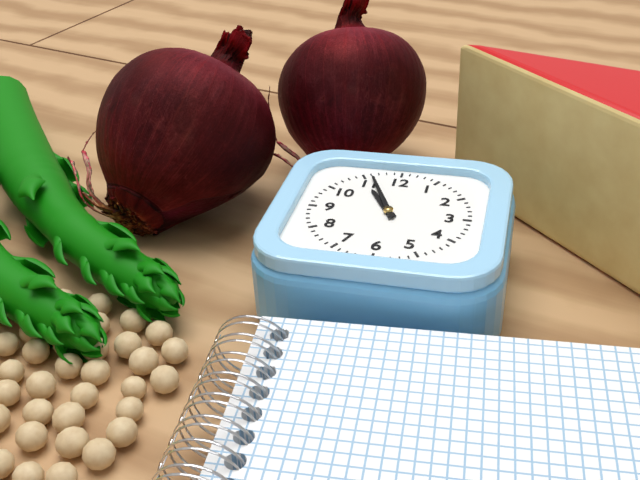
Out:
10 h 56 min
